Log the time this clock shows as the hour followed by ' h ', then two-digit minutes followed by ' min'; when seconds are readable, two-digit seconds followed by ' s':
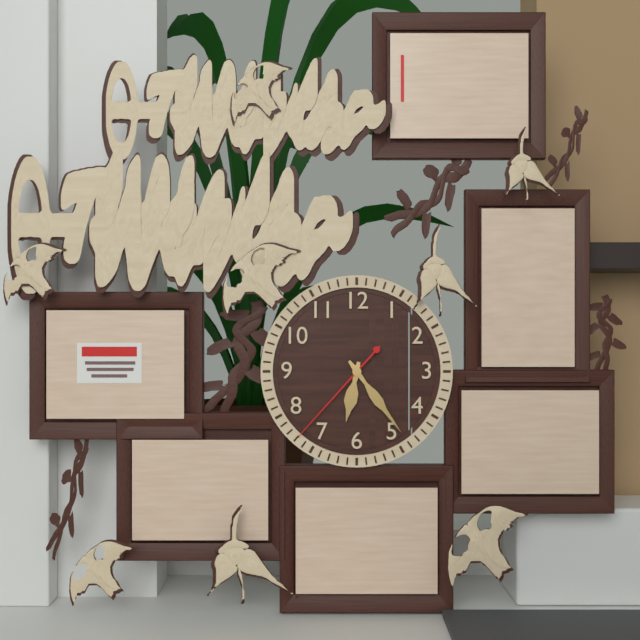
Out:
6 h 24 min 37 s
